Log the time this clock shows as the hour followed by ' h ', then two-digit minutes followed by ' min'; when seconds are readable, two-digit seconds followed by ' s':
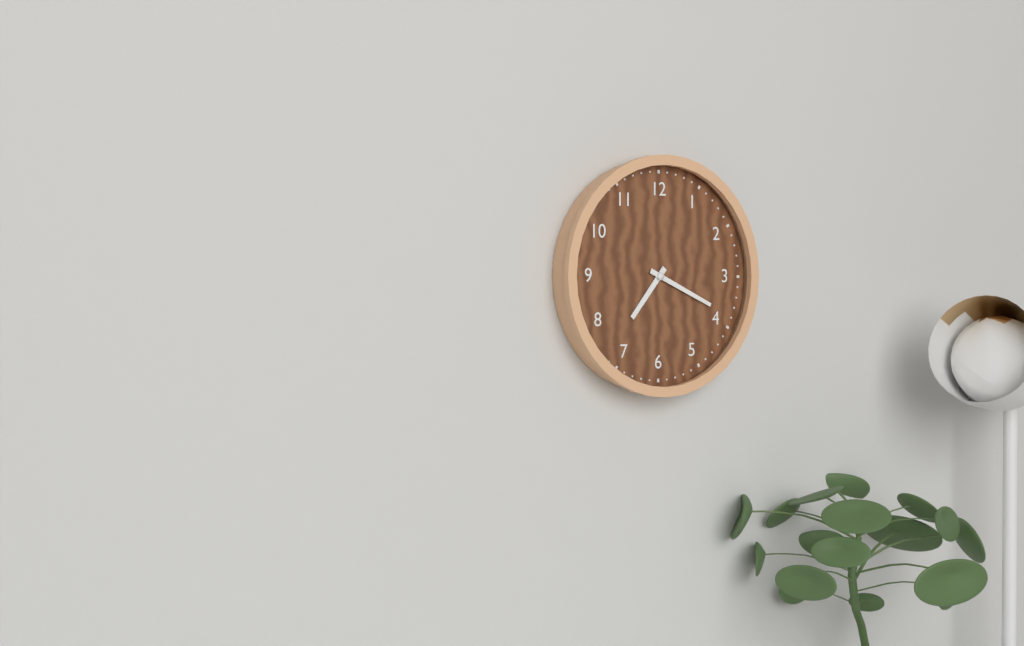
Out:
7 h 19 min
